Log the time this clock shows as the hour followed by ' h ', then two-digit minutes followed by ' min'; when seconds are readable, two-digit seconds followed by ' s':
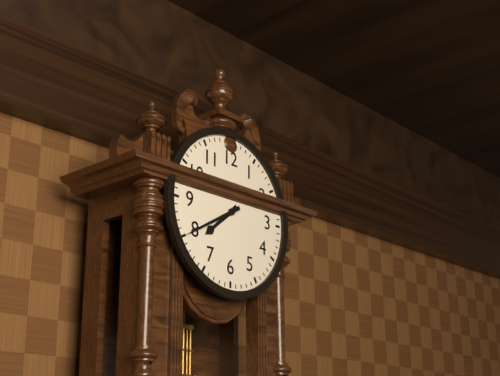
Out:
7 h 40 min
